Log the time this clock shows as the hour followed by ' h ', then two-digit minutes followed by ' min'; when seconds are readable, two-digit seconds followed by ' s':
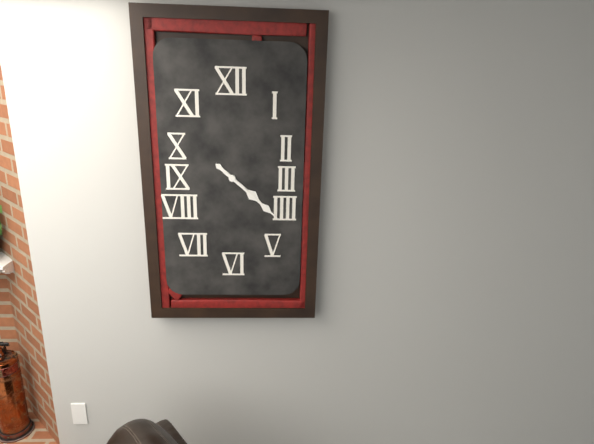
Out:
4 h 22 min
